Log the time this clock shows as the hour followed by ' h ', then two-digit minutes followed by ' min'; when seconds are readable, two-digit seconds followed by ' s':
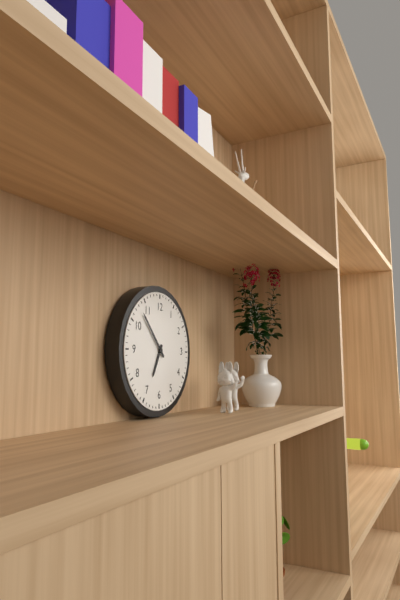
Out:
6 h 53 min
